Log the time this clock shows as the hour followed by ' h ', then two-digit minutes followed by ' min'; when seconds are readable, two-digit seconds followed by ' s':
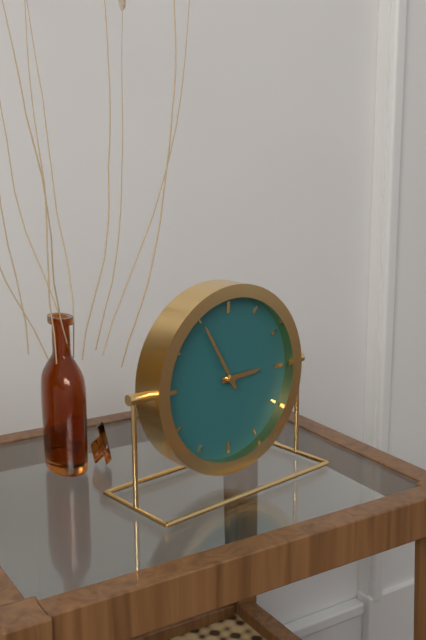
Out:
2 h 55 min
